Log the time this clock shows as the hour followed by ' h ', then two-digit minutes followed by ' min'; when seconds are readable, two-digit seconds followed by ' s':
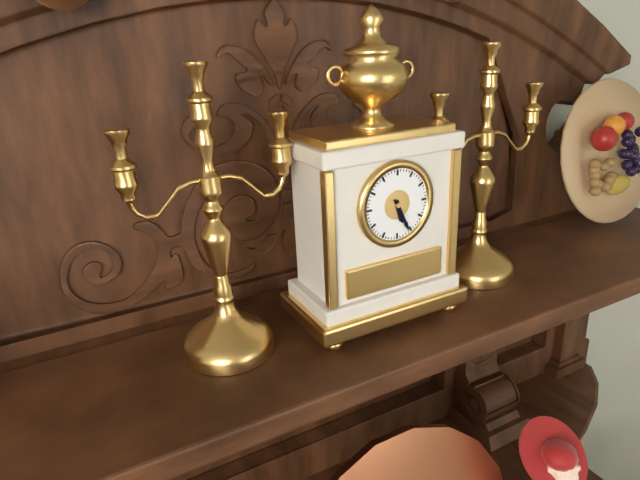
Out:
5 h 26 min
